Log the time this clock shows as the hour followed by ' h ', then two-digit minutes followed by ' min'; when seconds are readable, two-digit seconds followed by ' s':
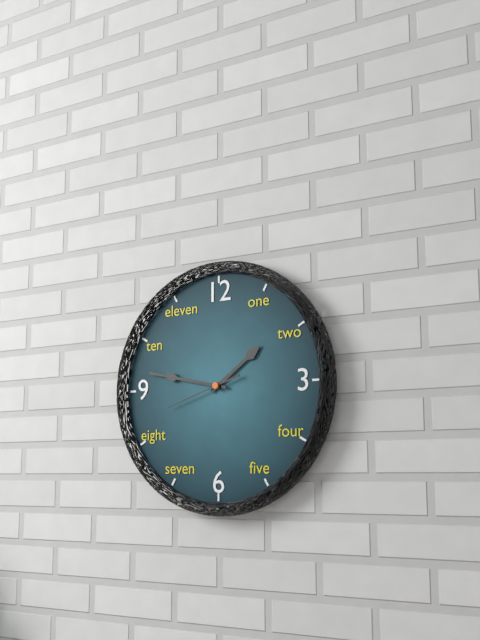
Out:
1 h 47 min 42 s
